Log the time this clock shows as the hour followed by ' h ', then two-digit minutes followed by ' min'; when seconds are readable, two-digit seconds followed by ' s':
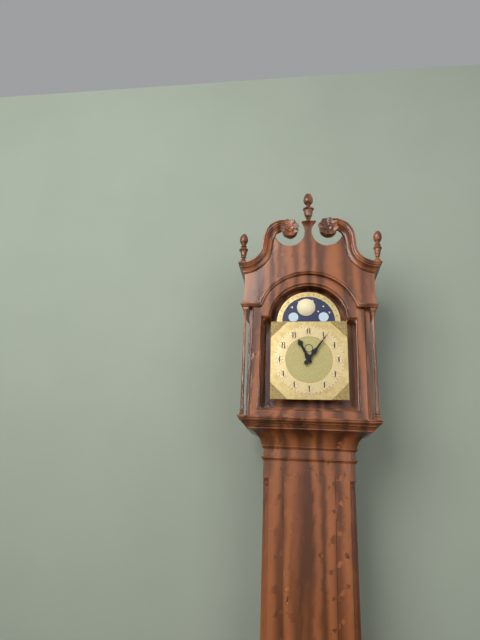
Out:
11 h 06 min
